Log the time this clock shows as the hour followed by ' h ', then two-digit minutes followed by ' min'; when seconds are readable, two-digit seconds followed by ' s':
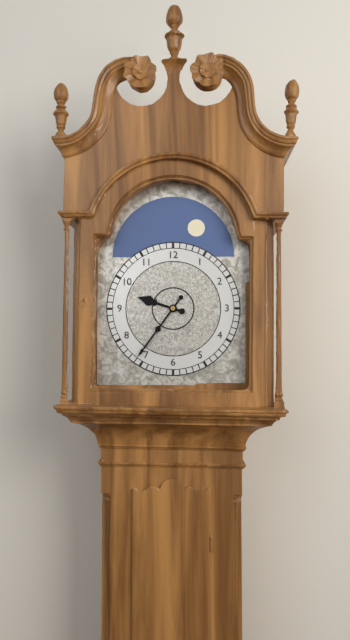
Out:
9 h 36 min
